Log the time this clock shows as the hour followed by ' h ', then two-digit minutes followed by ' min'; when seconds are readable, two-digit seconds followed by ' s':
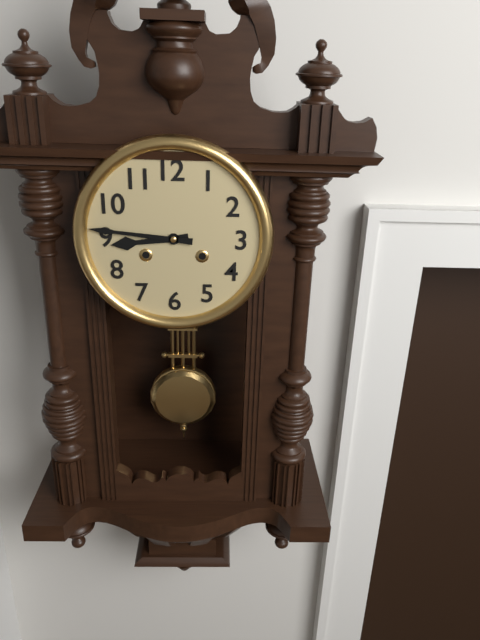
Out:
8 h 46 min
